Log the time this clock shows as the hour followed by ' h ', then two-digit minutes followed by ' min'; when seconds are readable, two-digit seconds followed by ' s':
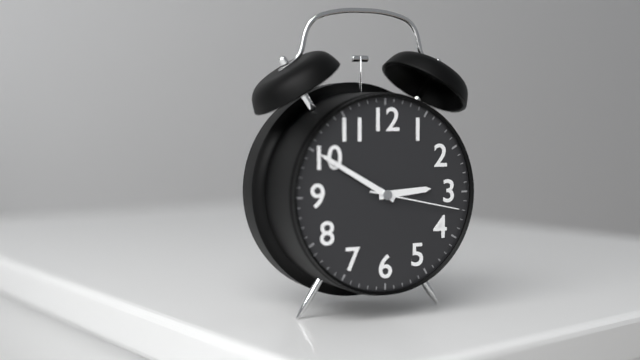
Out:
2 h 50 min 17 s
